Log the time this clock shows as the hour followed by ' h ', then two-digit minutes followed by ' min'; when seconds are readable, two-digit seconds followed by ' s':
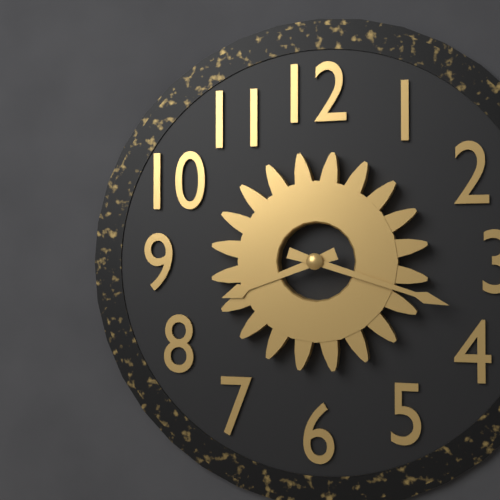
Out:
8 h 18 min
